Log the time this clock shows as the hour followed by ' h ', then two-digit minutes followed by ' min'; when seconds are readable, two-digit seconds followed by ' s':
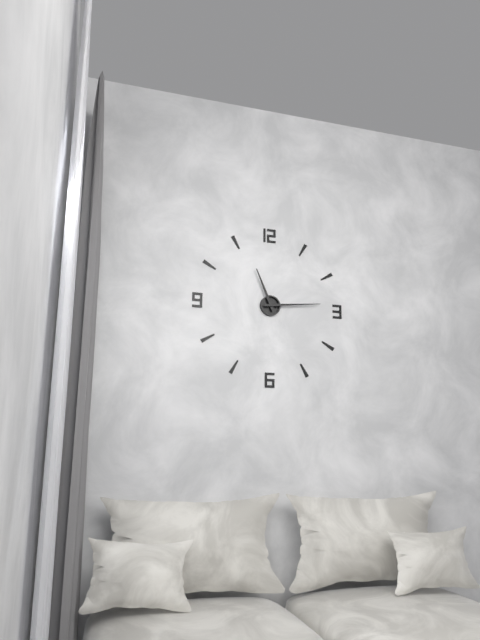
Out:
11 h 14 min
